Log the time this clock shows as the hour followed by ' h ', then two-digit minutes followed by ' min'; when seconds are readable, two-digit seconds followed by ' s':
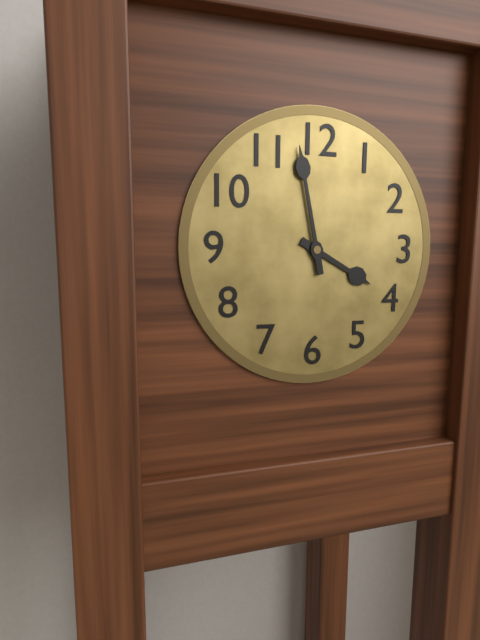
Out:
3 h 58 min
